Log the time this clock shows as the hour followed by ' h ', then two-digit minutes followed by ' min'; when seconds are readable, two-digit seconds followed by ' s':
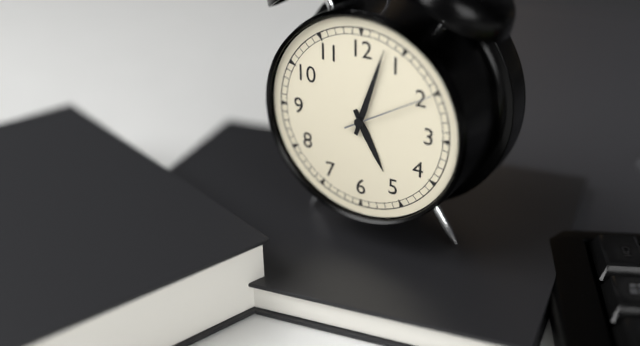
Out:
5 h 03 min 10 s
